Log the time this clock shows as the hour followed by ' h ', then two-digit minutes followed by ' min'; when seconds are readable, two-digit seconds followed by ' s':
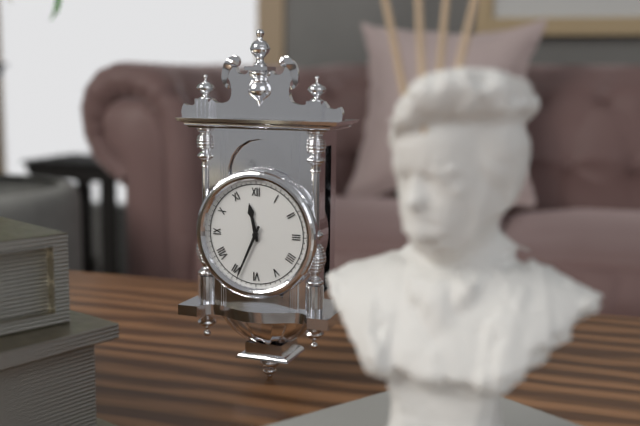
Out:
11 h 34 min
